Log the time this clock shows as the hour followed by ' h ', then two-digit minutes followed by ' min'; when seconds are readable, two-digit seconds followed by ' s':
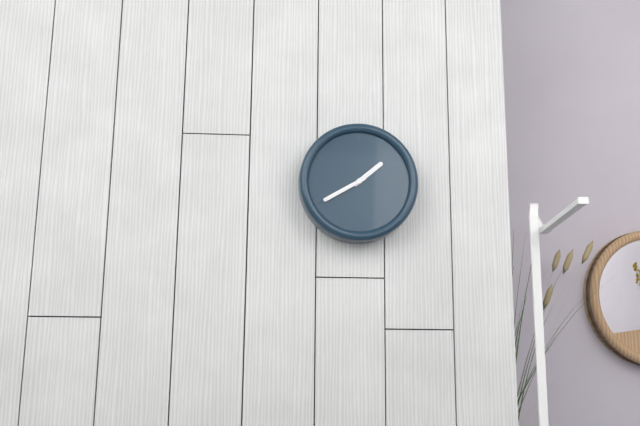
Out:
1 h 40 min
